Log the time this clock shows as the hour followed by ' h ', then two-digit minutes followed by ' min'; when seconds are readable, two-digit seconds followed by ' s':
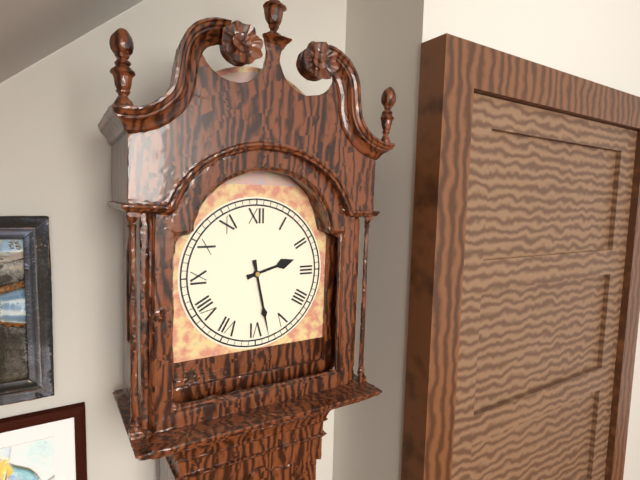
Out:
2 h 28 min
